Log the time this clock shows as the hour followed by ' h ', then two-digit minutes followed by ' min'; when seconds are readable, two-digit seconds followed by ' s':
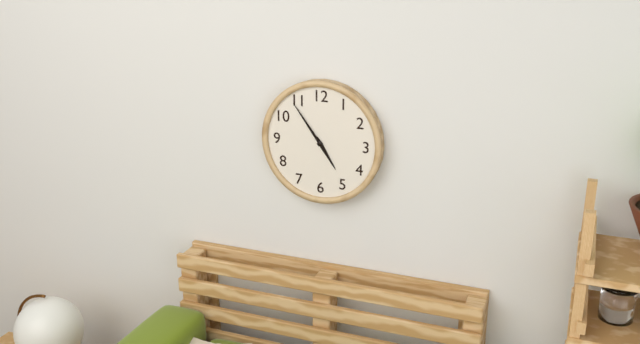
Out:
4 h 54 min
